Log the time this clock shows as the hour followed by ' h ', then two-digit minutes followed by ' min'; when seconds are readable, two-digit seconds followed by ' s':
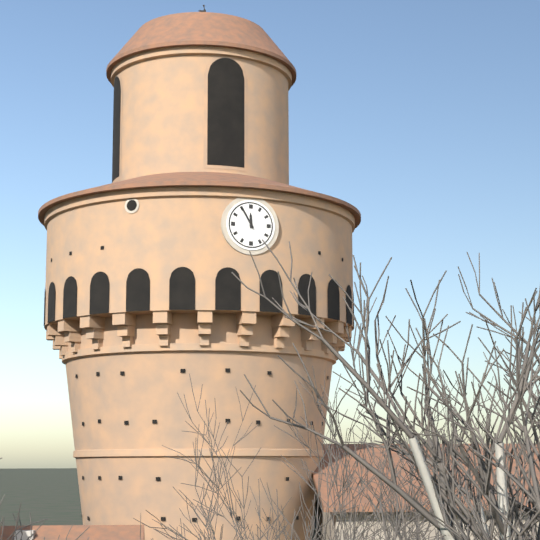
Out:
11 h 55 min
